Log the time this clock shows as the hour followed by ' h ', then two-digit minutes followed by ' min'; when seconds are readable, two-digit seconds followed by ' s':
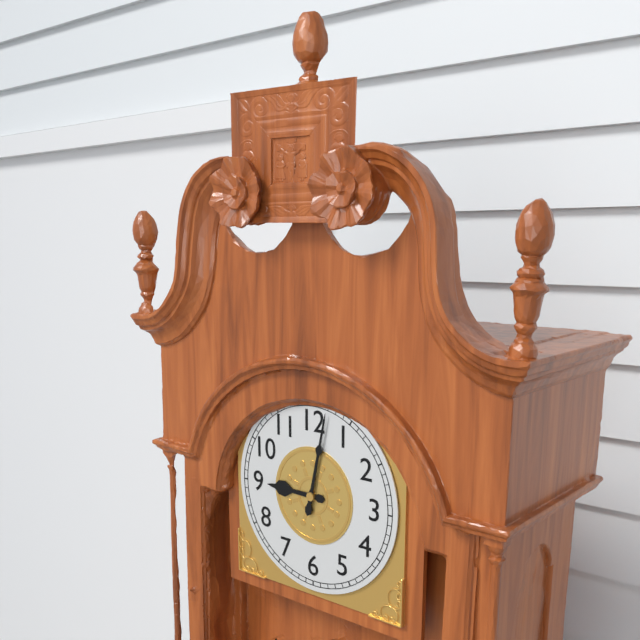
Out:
9 h 02 min
